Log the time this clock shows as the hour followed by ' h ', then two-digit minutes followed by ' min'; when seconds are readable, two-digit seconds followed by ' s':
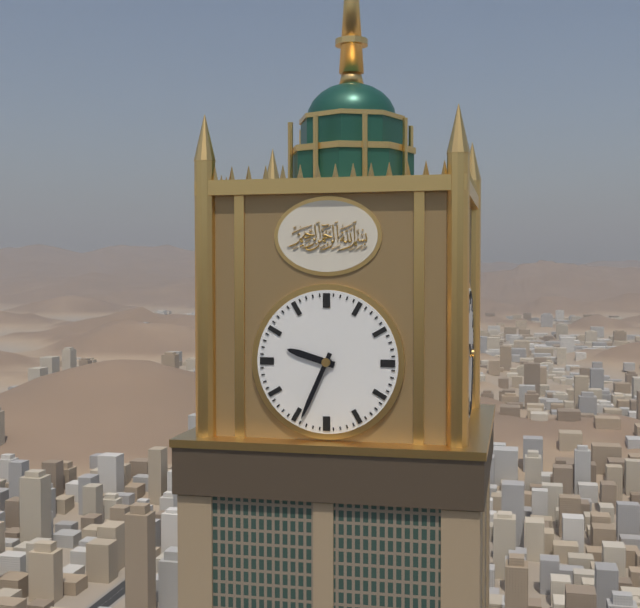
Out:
9 h 34 min
